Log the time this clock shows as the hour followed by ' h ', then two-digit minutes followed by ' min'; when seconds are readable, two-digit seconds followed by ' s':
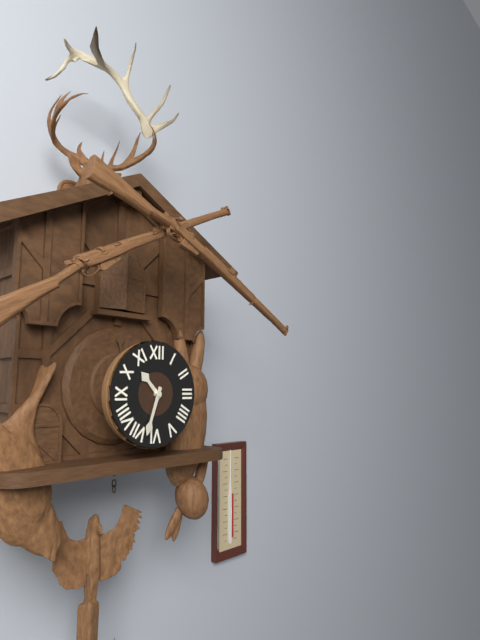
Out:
10 h 33 min
